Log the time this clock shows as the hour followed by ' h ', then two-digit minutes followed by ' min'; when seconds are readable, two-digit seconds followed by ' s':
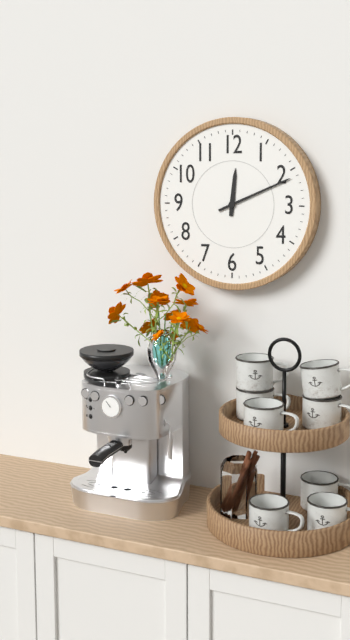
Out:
12 h 11 min
